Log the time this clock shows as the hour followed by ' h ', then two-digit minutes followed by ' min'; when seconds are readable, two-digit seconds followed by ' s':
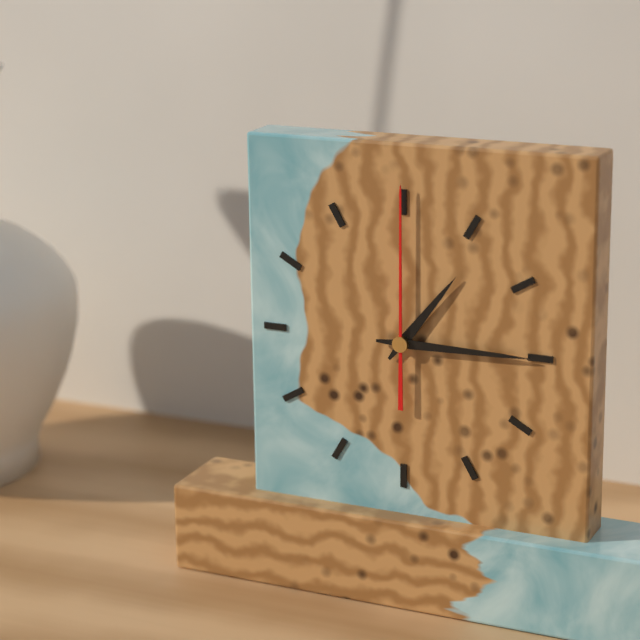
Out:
1 h 15 min 00 s
